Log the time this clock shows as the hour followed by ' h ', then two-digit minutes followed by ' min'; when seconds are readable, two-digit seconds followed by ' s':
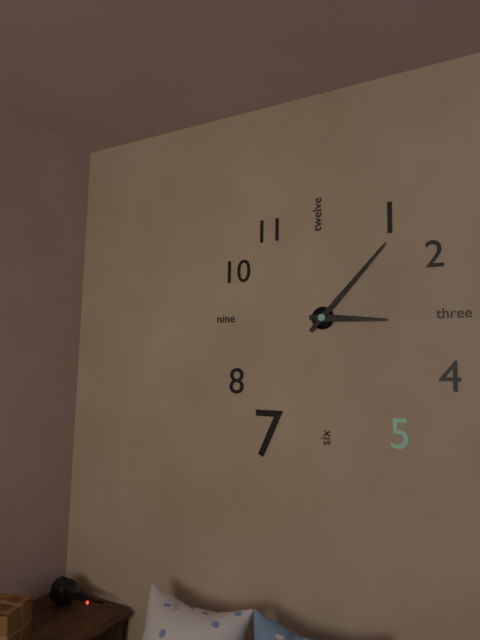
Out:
3 h 07 min
